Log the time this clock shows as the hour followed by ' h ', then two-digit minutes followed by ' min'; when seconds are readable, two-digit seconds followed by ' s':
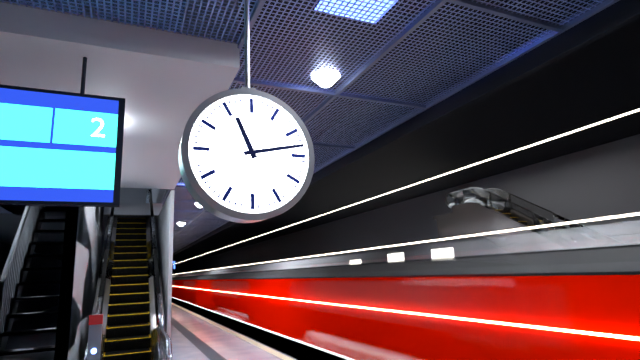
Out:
11 h 13 min
